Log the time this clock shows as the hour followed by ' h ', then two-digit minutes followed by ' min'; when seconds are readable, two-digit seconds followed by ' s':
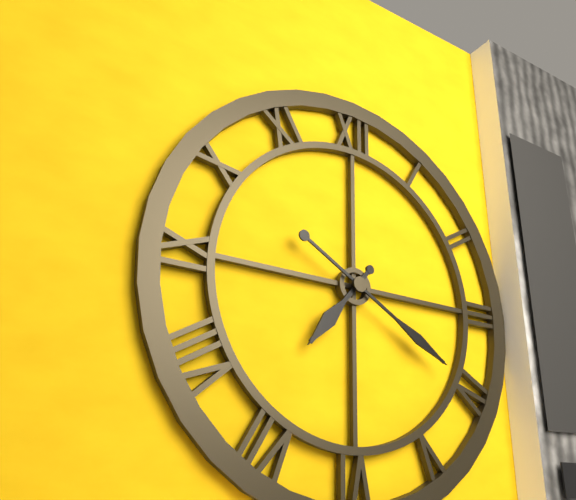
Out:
7 h 20 min
